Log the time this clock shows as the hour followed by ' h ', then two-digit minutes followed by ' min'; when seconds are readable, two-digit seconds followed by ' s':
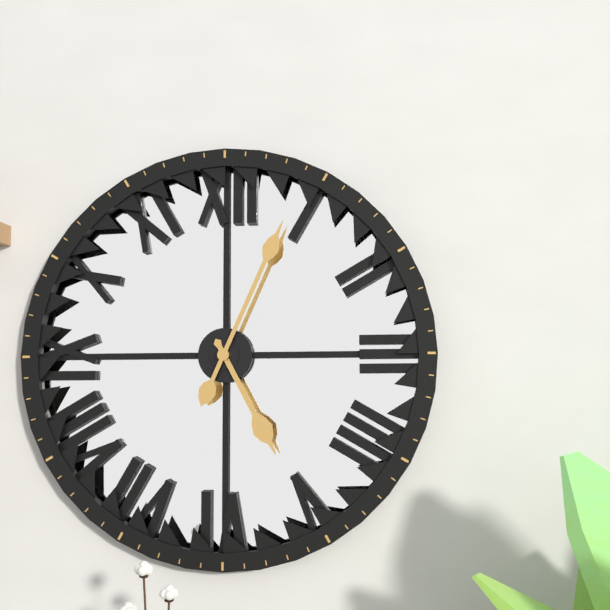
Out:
5 h 04 min
